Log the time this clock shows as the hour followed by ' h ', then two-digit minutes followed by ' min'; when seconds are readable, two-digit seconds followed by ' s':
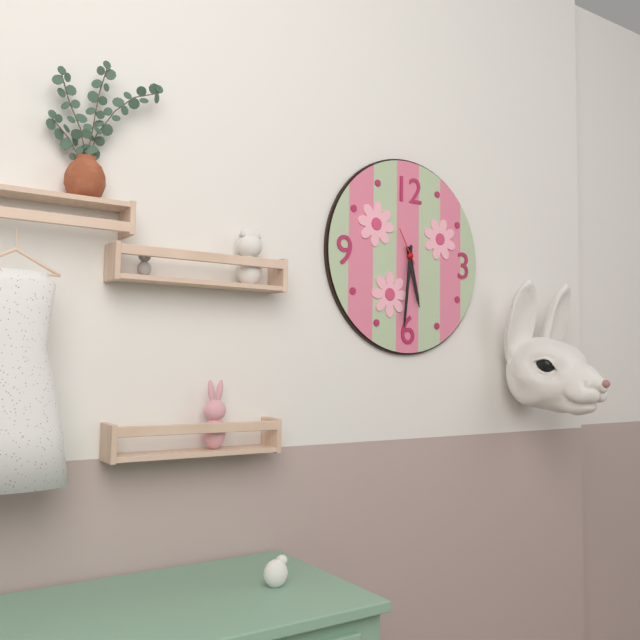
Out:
5 h 31 min
